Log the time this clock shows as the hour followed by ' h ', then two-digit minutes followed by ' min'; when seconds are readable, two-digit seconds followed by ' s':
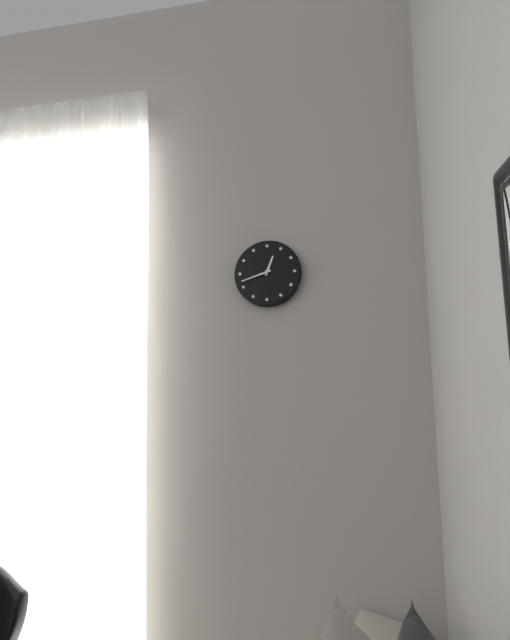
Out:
12 h 42 min
